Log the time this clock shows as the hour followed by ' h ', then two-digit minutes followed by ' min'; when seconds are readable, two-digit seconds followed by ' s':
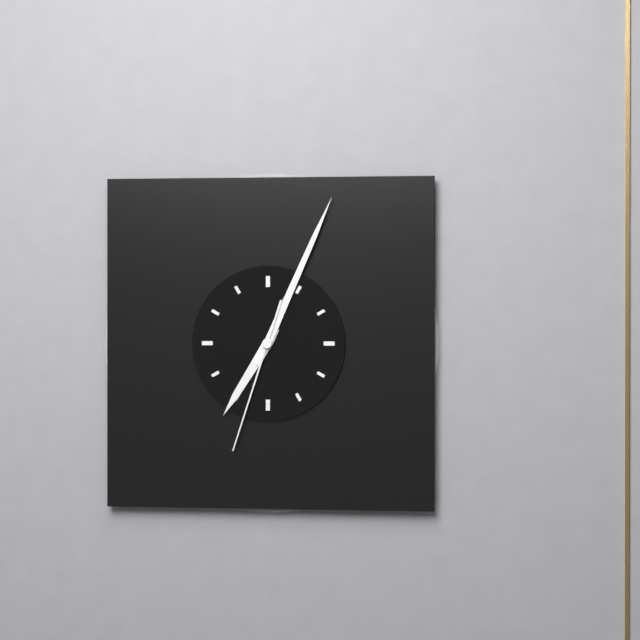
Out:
7 h 04 min 33 s
